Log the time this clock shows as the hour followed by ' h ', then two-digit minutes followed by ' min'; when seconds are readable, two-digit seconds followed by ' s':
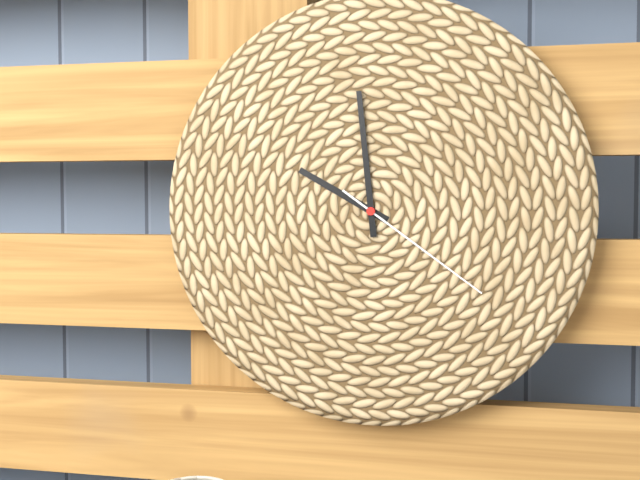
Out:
9 h 59 min 21 s
